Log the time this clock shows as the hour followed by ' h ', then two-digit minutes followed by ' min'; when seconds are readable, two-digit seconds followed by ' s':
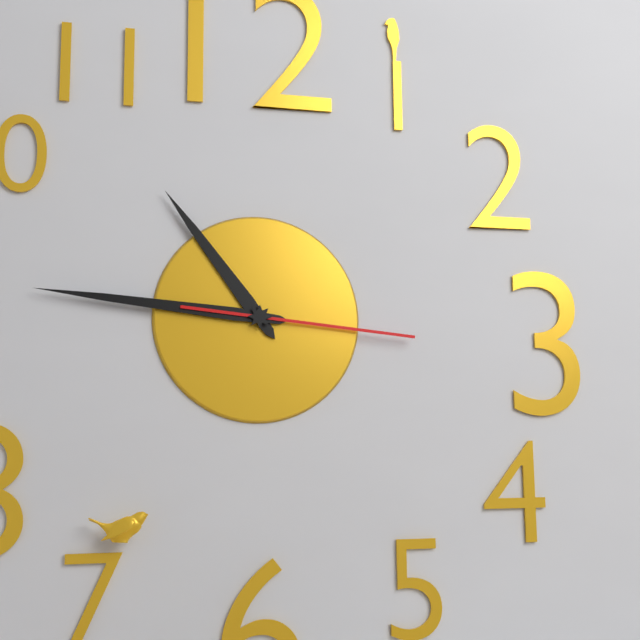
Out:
10 h 46 min 16 s
